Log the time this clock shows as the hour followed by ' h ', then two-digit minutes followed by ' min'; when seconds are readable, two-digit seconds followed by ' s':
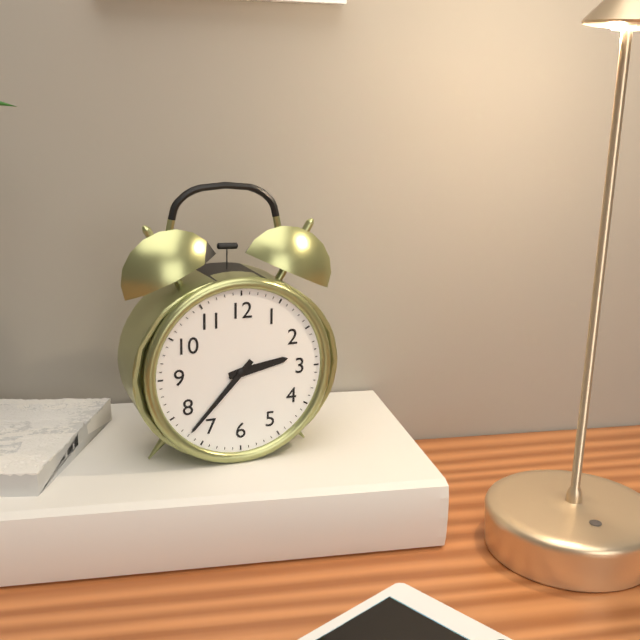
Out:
2 h 37 min
